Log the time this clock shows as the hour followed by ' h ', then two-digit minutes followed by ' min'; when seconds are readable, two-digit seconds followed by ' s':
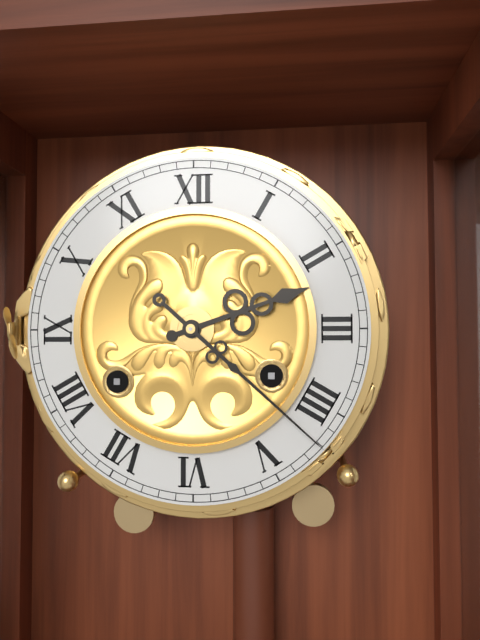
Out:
2 h 22 min
